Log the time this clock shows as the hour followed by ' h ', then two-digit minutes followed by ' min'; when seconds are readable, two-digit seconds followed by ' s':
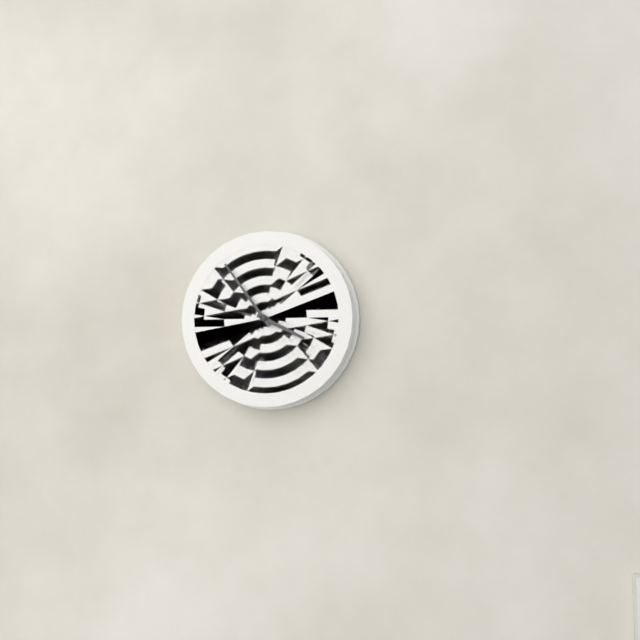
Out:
3 h 54 min
